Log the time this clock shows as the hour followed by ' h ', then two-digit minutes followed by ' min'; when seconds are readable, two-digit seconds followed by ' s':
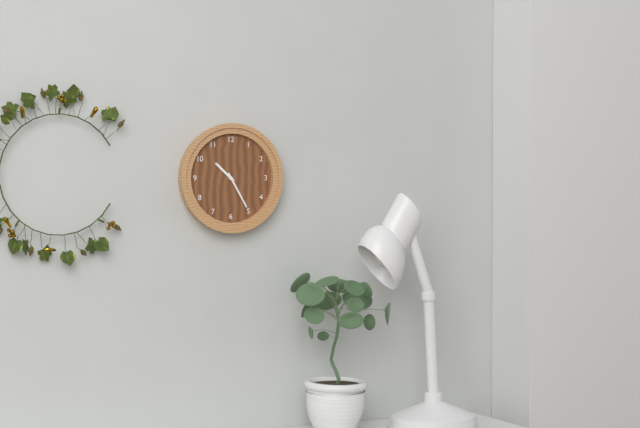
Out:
10 h 25 min
